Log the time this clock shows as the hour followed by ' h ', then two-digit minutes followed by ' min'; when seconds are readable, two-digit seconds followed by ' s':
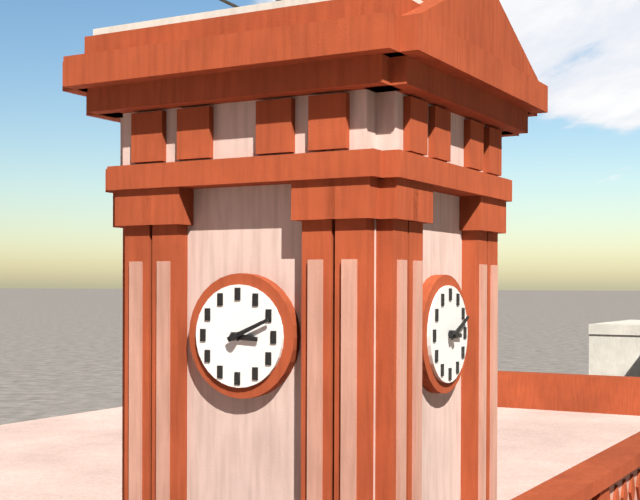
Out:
3 h 11 min
